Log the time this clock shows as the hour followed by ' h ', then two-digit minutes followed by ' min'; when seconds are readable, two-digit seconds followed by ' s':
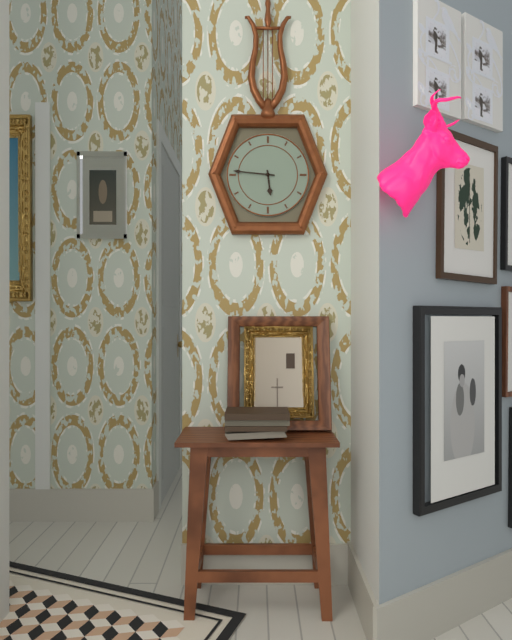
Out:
5 h 46 min
